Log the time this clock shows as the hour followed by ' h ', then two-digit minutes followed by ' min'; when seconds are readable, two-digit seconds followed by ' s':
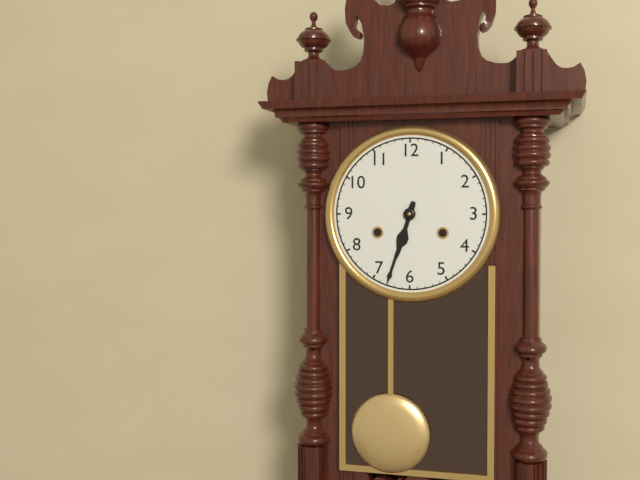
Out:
6 h 33 min
